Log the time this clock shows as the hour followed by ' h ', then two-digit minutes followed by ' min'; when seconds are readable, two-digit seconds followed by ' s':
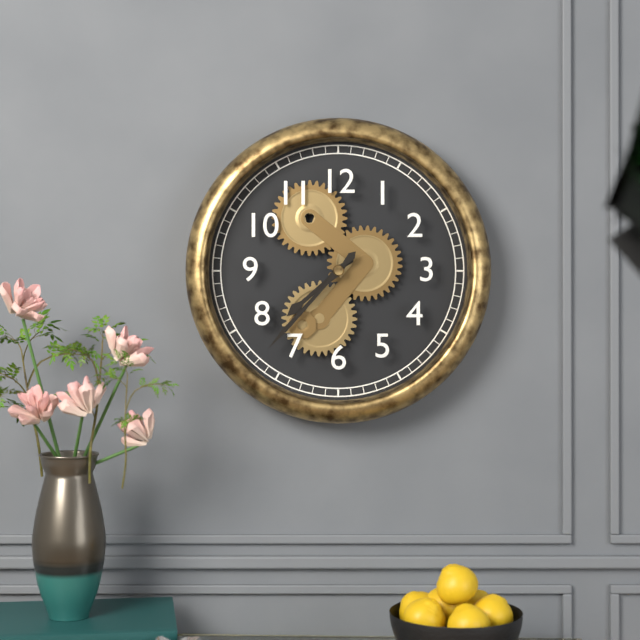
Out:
7 h 37 min
